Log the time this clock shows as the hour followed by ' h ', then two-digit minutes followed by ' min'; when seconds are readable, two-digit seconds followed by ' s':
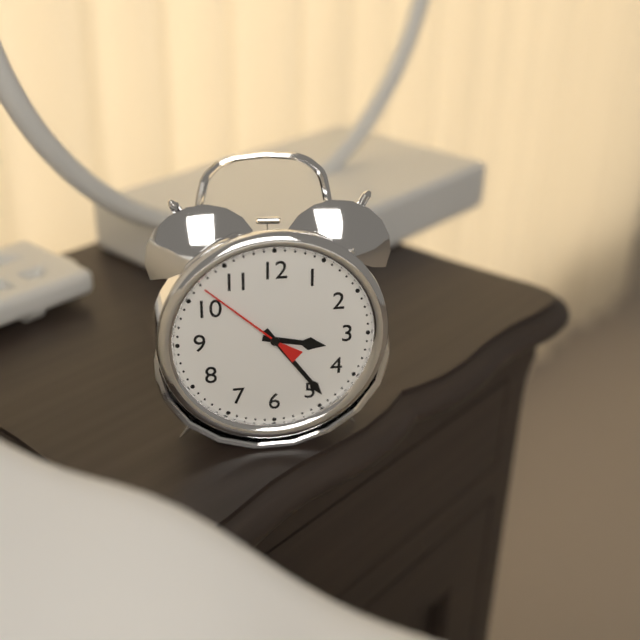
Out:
3 h 24 min 52 s
